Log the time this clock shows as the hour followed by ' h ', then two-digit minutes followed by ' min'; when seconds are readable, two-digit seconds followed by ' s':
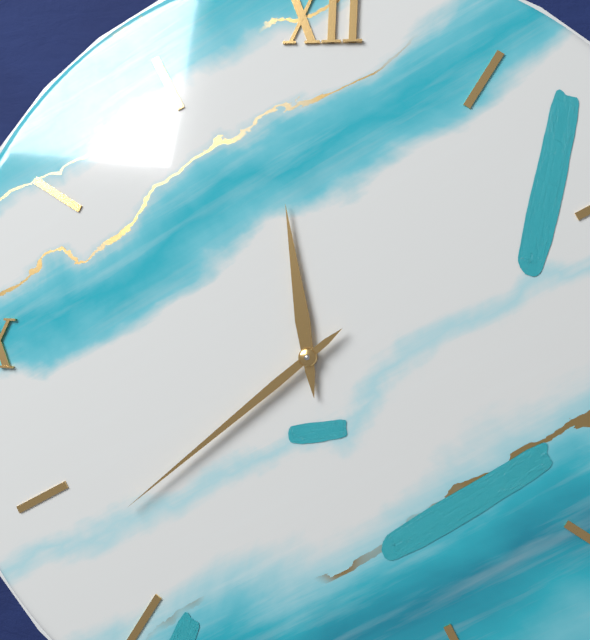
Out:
11 h 38 min
